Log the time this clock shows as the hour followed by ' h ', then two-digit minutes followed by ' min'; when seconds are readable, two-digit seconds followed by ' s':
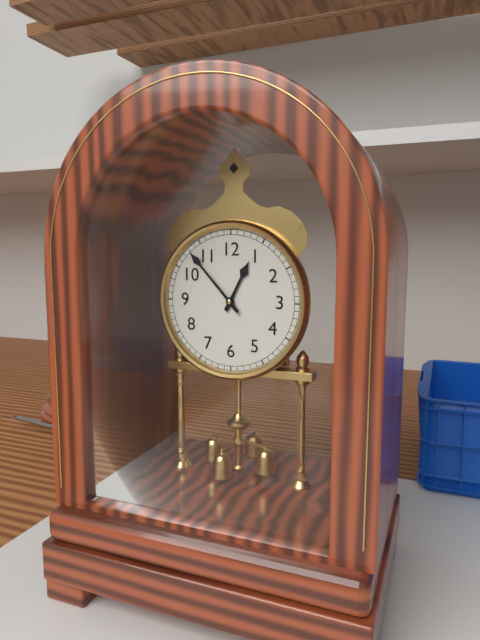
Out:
12 h 53 min
